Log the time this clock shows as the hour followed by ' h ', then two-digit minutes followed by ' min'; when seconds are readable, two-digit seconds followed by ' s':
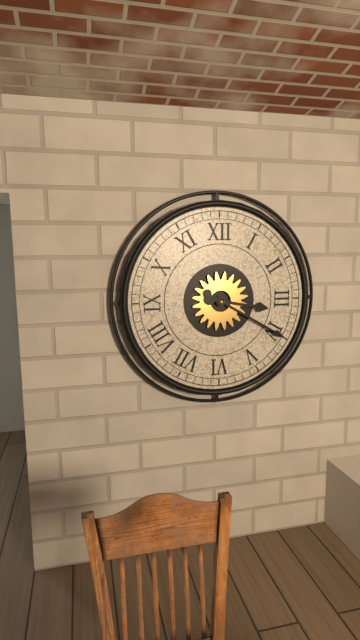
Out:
3 h 20 min
